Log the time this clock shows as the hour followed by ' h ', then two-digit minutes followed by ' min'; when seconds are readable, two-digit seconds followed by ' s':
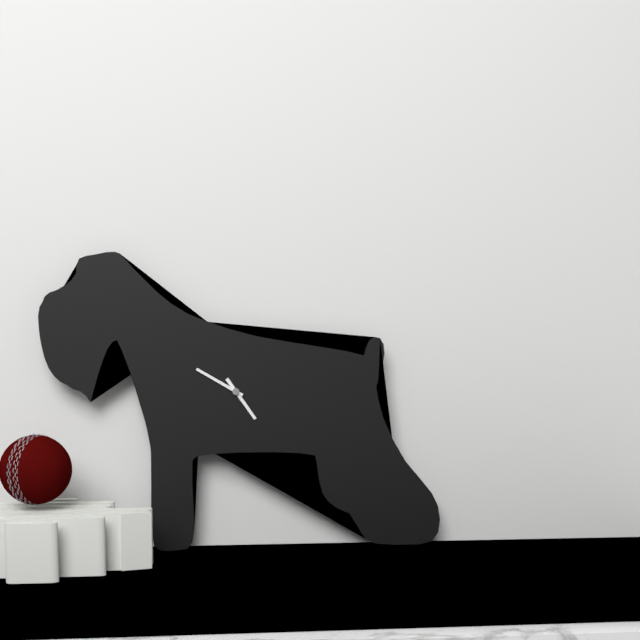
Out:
4 h 50 min
